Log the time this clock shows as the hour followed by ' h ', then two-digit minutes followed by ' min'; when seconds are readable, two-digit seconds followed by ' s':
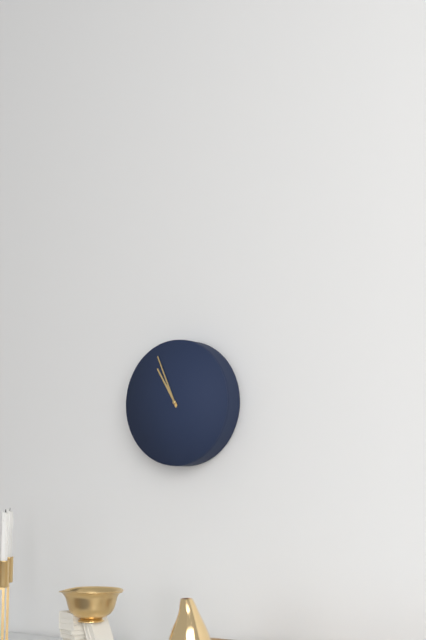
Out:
10 h 56 min
